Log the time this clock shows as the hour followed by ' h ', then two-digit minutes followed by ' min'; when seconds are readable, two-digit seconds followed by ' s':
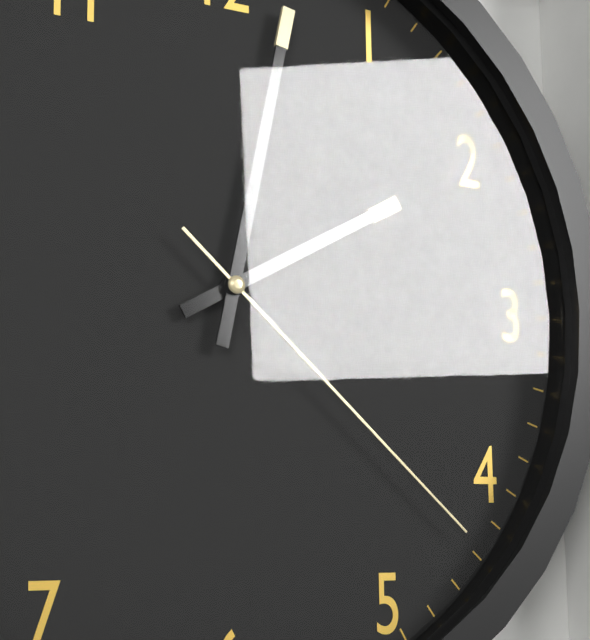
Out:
2 h 02 min 22 s
